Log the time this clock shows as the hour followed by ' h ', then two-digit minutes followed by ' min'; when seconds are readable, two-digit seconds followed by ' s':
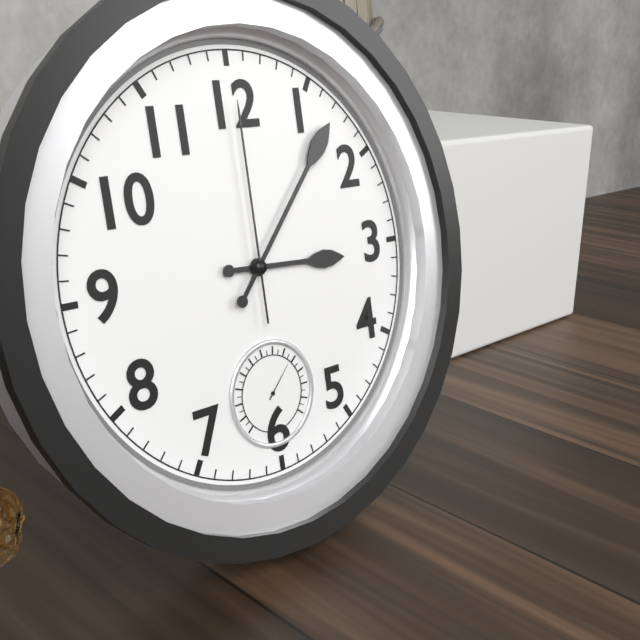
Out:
3 h 07 min 00 s
